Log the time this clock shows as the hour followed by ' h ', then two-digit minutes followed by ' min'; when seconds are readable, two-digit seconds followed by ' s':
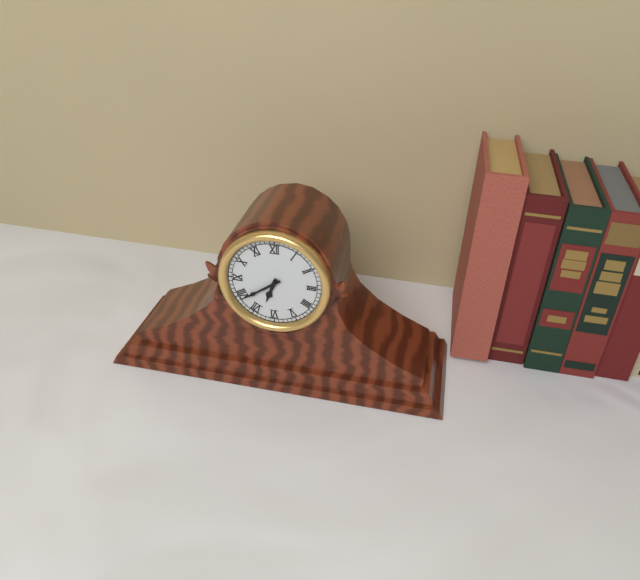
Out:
6 h 39 min
